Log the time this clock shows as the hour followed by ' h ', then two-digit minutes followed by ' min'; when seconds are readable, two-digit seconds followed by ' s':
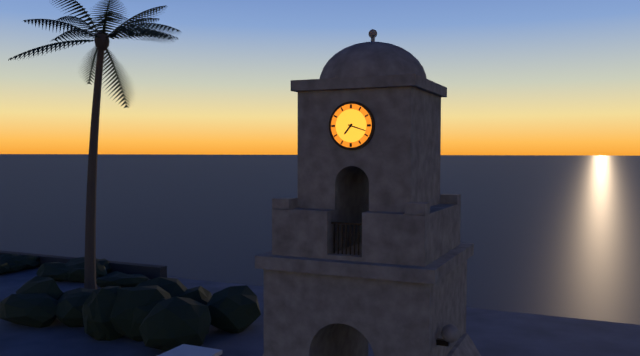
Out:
7 h 18 min
